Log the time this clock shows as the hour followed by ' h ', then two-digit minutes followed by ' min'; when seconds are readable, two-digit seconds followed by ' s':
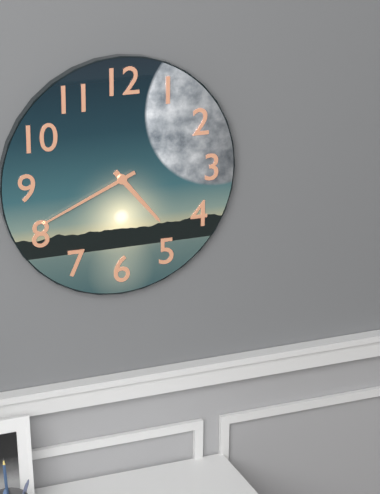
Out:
4 h 41 min
